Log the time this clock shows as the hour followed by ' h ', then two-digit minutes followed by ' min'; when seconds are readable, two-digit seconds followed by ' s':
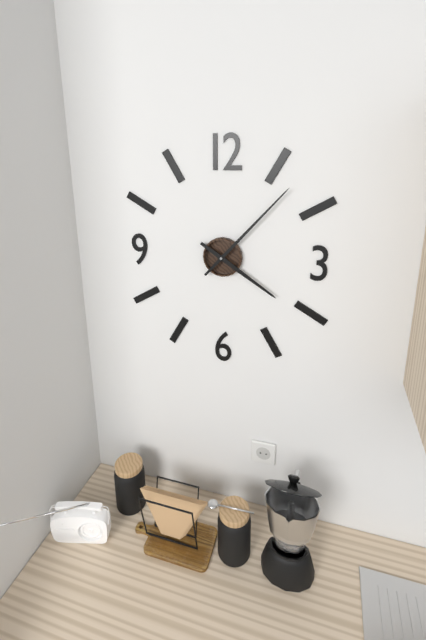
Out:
4 h 07 min
